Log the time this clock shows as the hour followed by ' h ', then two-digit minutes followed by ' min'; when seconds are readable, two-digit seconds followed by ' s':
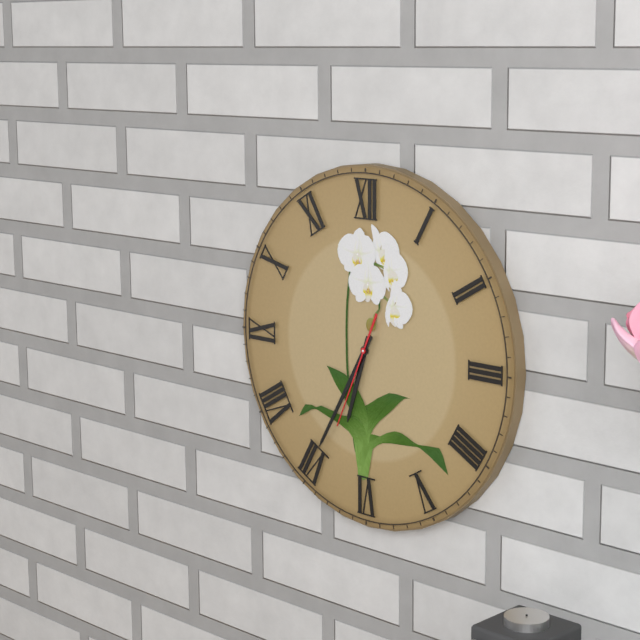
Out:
6 h 35 min 34 s
